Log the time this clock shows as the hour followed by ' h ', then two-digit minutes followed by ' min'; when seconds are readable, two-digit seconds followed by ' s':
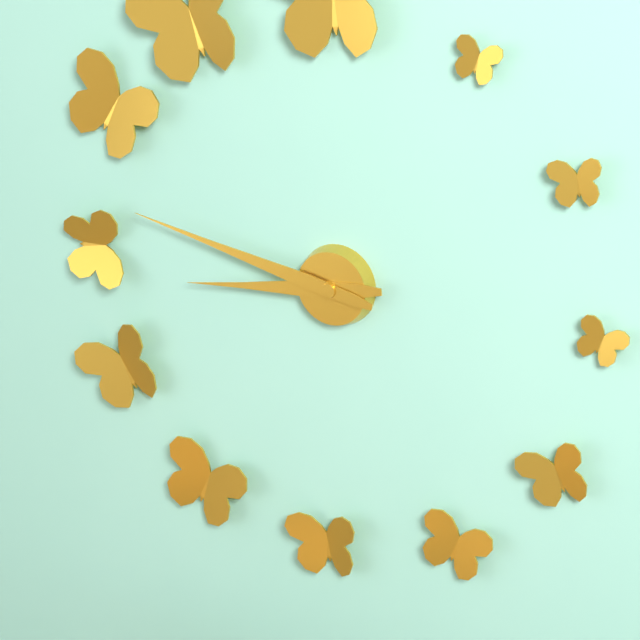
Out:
8 h 47 min
